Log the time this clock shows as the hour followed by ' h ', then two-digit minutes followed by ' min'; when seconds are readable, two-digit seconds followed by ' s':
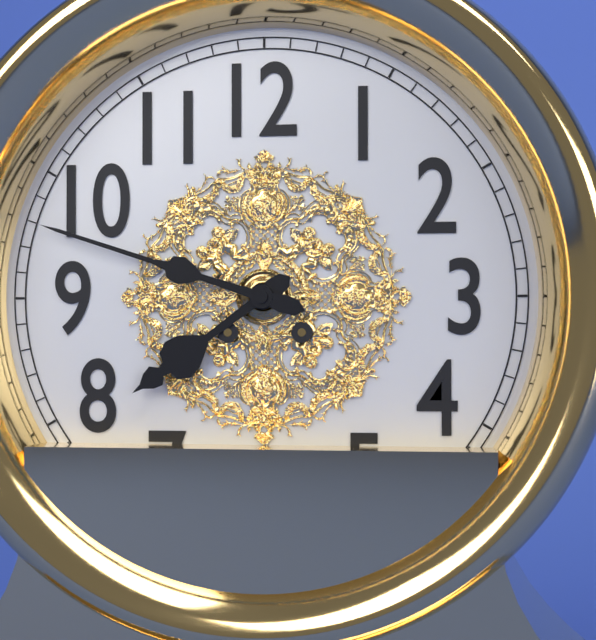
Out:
7 h 48 min
